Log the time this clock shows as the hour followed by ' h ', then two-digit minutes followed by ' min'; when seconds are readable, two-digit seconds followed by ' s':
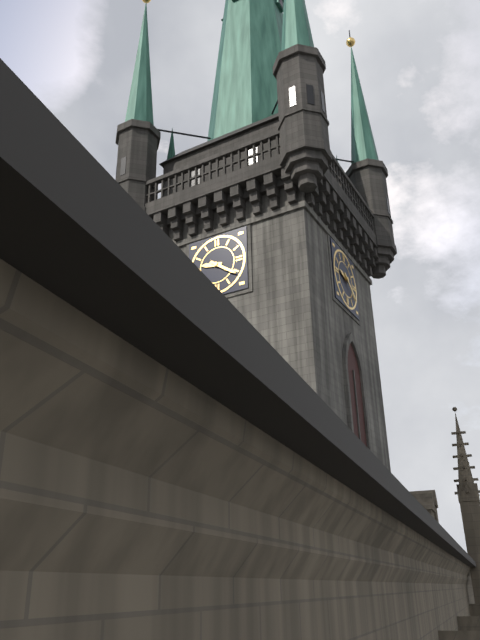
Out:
9 h 21 min
